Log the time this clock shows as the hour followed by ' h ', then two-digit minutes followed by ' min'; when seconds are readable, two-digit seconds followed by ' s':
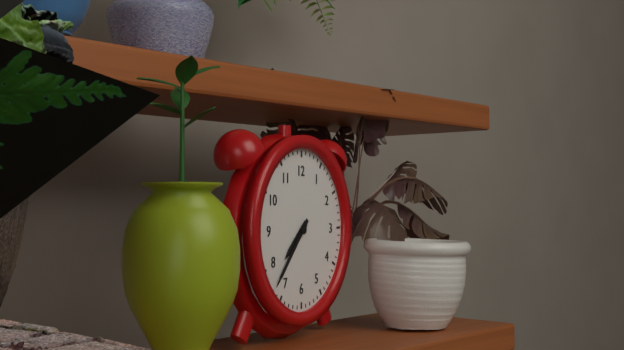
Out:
7 h 37 min
